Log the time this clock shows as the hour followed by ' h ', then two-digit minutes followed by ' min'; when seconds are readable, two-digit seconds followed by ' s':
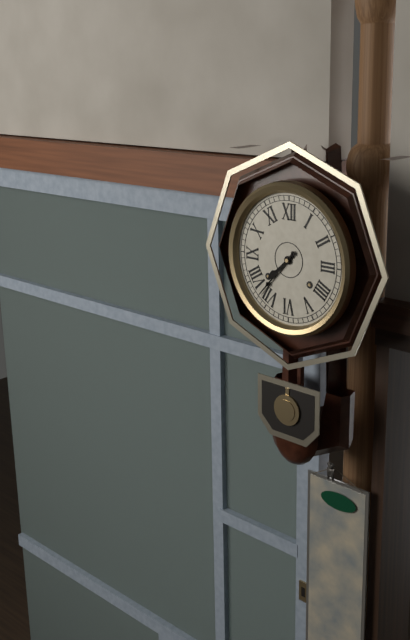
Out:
7 h 37 min
